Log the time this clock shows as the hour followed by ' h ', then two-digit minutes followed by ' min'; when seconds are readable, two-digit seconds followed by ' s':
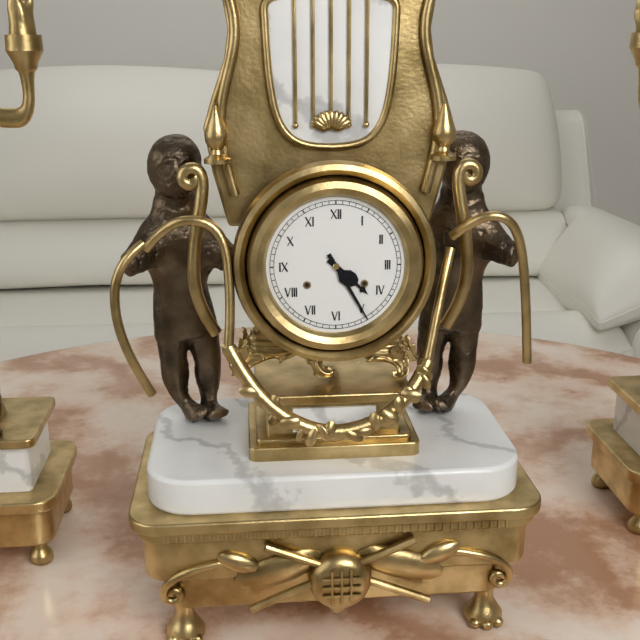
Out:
4 h 25 min
